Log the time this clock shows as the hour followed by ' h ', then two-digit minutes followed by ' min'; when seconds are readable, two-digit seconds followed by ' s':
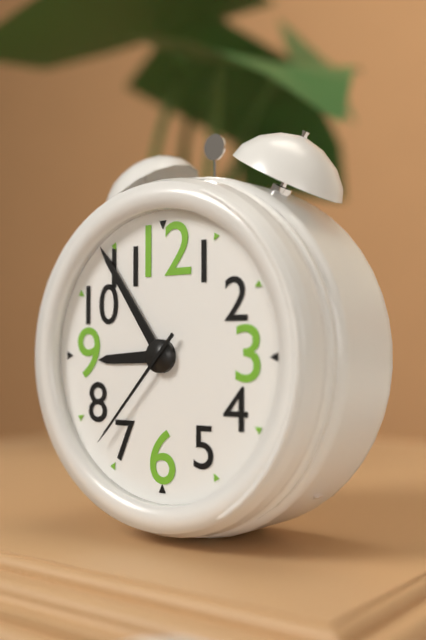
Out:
8 h 54 min 37 s
